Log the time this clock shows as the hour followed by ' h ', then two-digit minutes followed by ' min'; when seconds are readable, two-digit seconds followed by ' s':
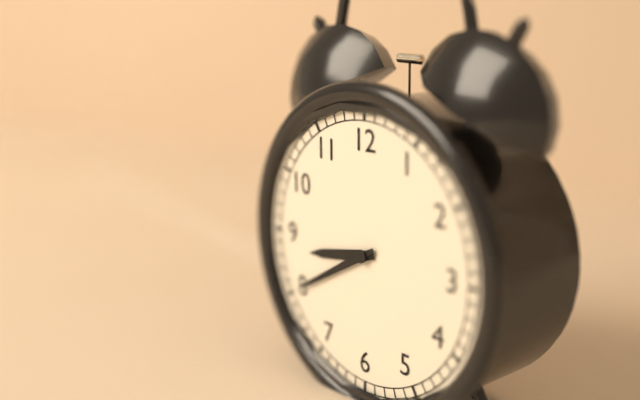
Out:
8 h 40 min
